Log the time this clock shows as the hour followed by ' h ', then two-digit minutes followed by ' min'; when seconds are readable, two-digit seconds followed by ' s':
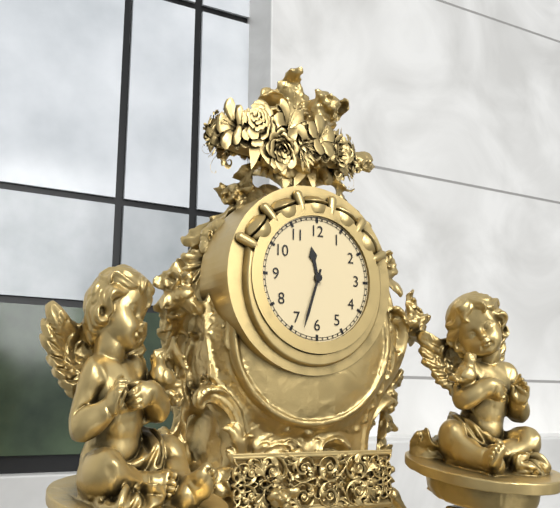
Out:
11 h 33 min
